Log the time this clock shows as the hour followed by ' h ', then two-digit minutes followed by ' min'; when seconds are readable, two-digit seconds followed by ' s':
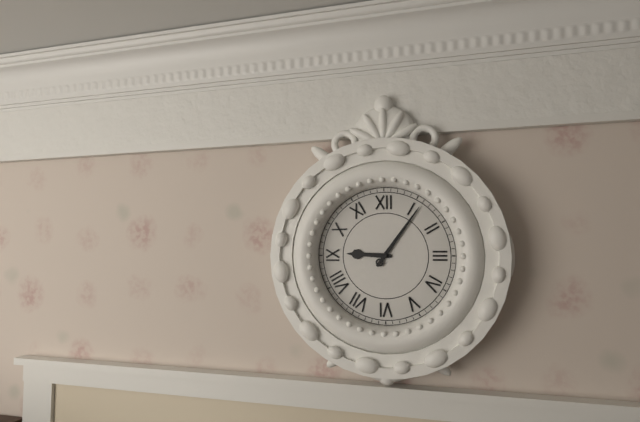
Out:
9 h 06 min
